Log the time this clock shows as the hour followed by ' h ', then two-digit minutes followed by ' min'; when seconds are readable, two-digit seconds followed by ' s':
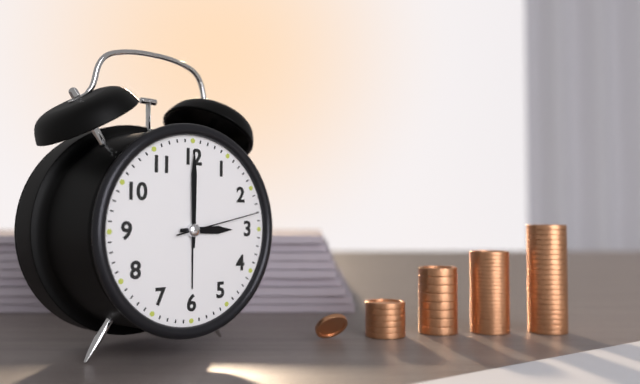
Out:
3 h 00 min 13 s
